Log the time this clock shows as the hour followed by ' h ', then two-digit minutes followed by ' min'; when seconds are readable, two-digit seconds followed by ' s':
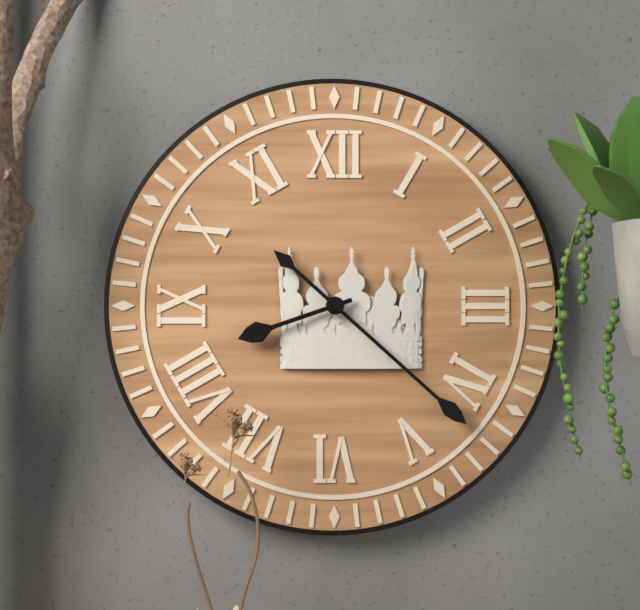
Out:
8 h 22 min
